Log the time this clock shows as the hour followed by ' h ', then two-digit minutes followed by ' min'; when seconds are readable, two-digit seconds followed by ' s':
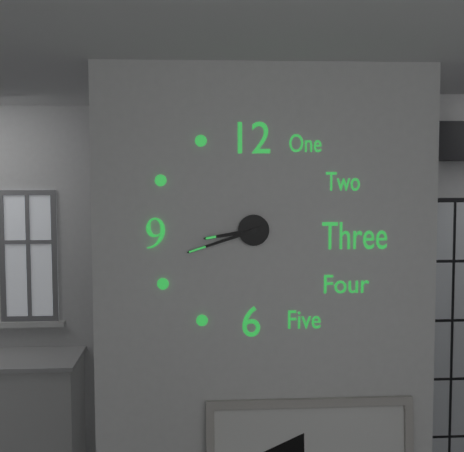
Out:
8 h 42 min
